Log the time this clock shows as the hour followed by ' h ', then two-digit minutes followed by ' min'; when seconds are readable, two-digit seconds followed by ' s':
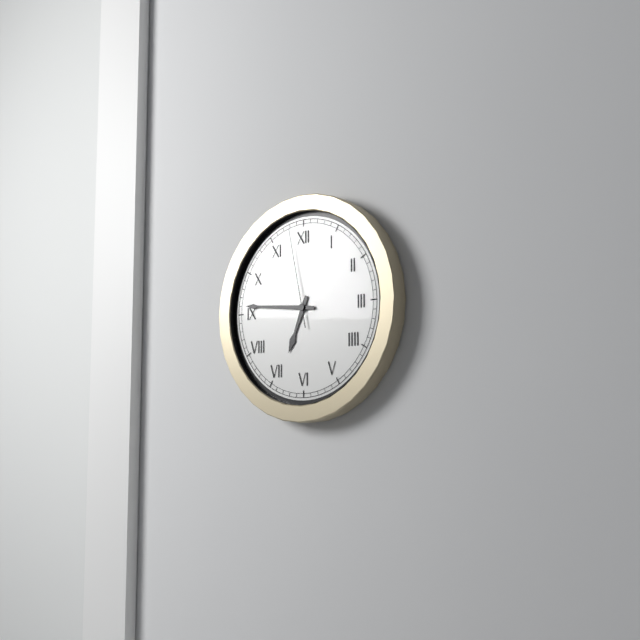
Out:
6 h 46 min 58 s
